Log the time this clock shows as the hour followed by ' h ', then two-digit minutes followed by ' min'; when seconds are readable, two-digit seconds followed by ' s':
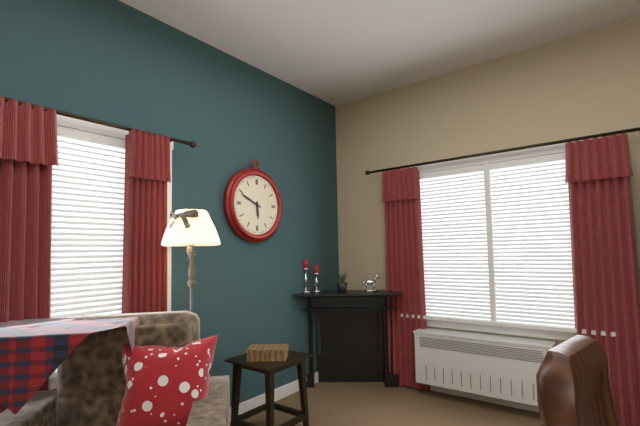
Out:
5 h 49 min
